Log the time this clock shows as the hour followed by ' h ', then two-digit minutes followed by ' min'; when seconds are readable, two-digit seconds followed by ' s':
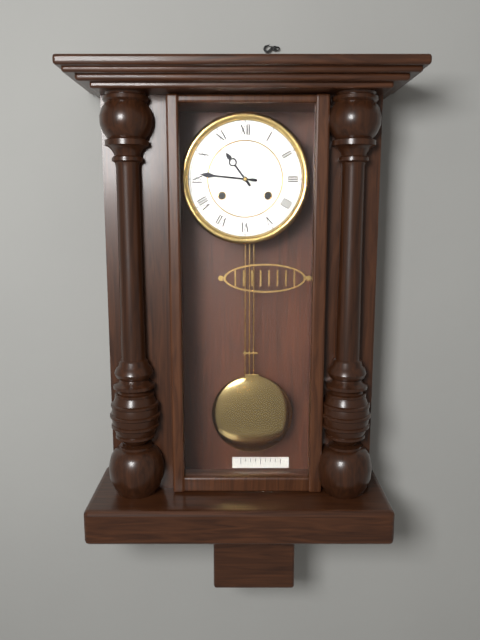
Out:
10 h 46 min
